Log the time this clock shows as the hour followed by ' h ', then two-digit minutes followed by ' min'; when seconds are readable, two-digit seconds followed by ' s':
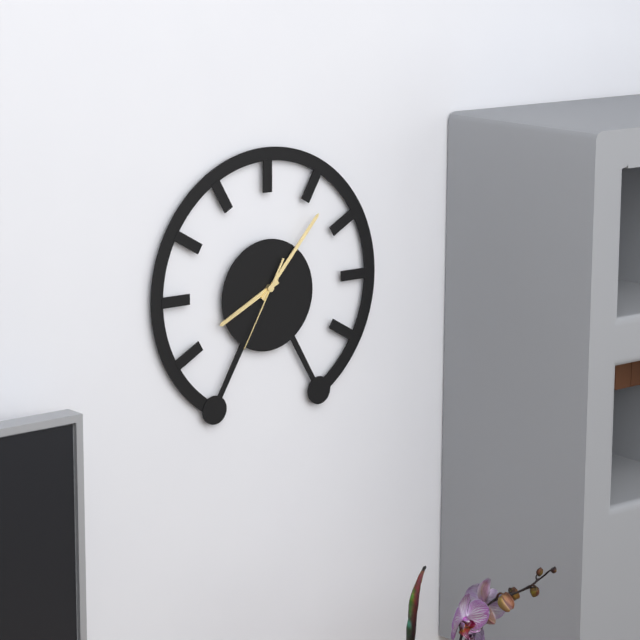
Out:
8 h 07 min 35 s
